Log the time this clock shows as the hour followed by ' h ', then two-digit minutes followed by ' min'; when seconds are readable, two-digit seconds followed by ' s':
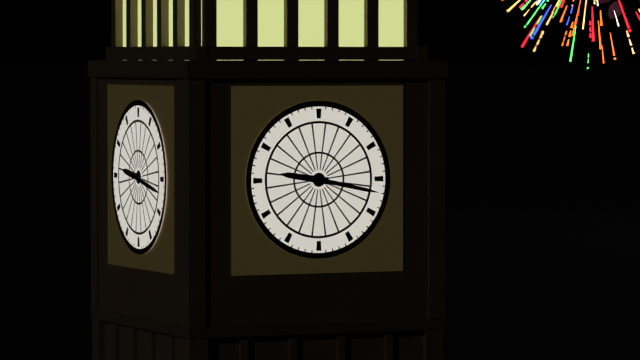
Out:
9 h 17 min
